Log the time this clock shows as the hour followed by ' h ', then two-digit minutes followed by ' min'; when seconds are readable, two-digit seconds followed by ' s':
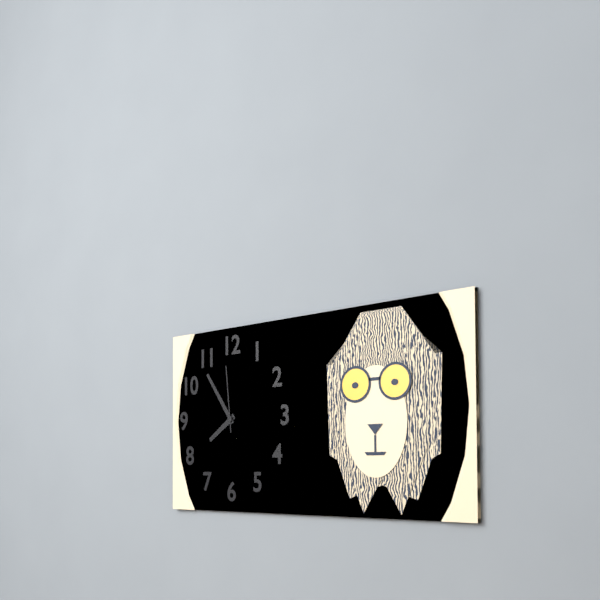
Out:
7 h 54 min 59 s
